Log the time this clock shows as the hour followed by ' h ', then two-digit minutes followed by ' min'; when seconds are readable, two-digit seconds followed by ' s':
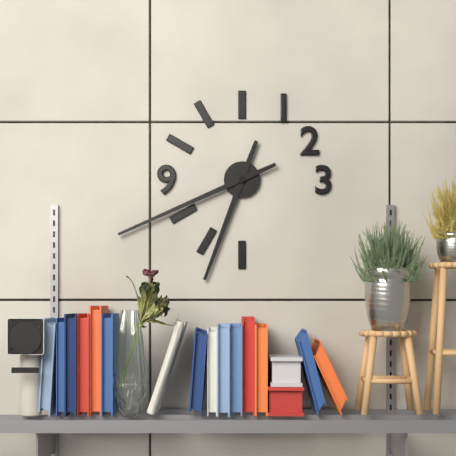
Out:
6 h 41 min
